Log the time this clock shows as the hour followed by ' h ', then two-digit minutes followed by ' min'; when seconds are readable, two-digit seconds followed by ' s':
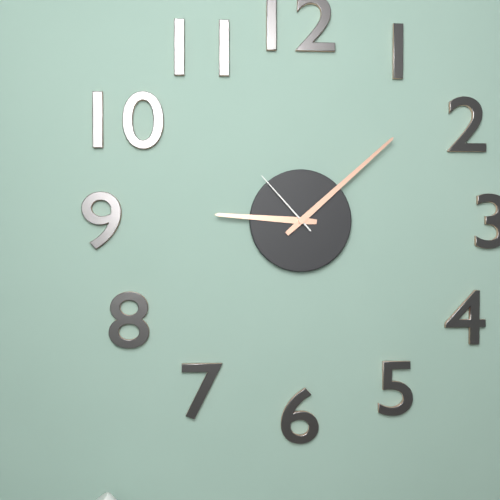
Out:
9 h 08 min 53 s
